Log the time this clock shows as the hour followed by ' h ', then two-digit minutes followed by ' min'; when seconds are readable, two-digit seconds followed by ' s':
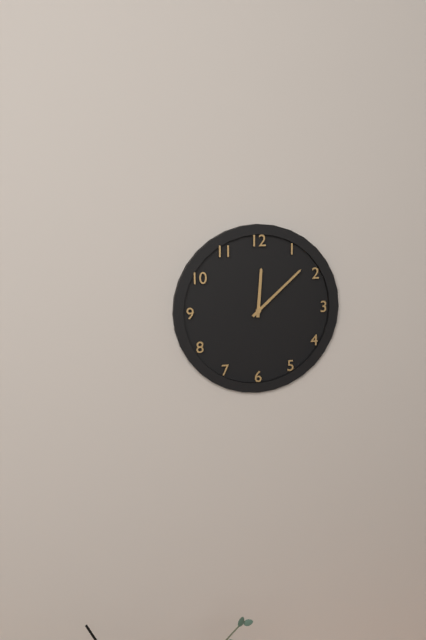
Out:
12 h 08 min
